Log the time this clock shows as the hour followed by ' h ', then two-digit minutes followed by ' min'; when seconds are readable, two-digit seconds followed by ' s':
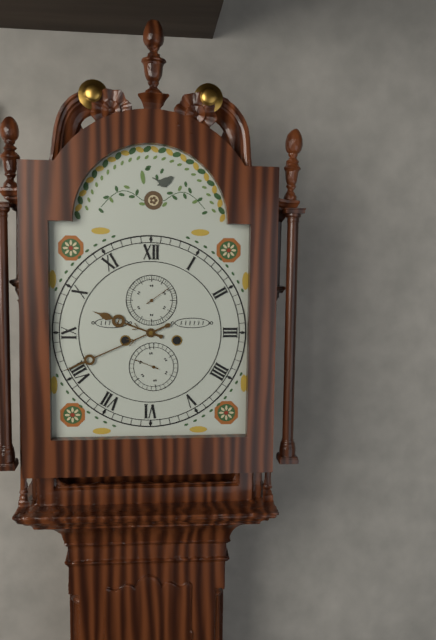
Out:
9 h 41 min
